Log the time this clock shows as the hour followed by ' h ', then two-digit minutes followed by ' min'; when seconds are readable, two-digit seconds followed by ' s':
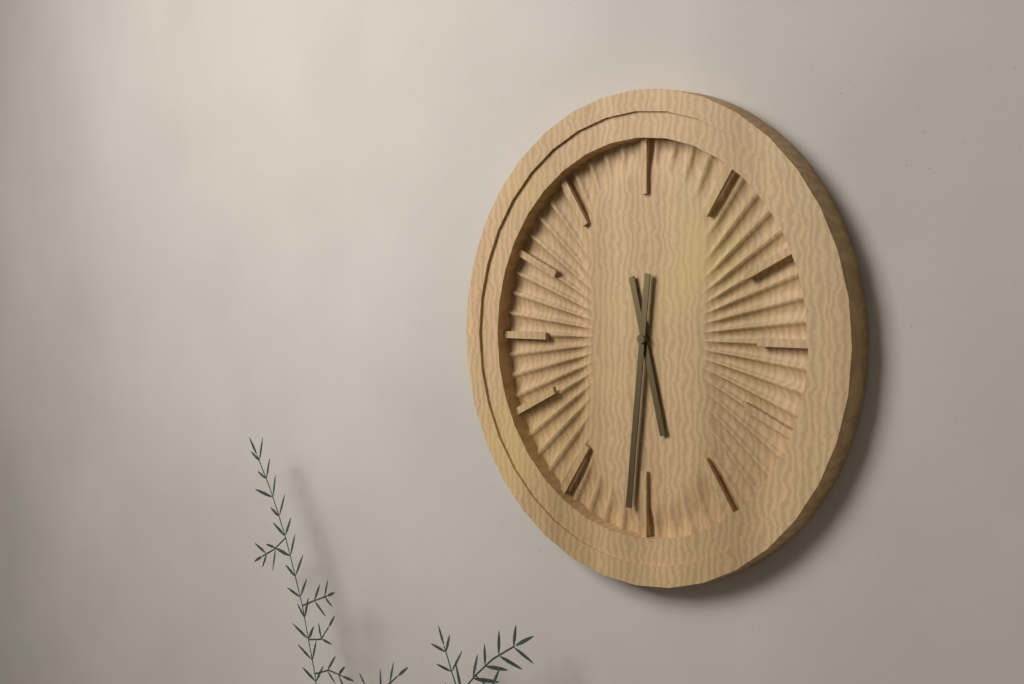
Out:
5 h 31 min
